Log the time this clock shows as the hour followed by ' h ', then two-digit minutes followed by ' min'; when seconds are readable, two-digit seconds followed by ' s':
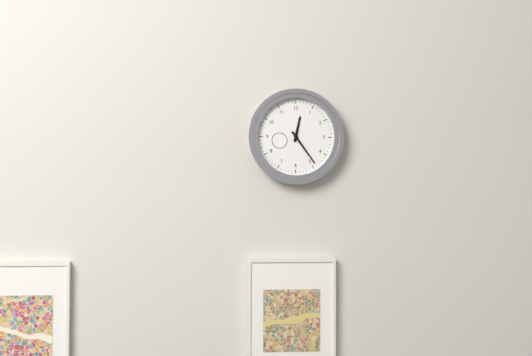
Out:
12 h 24 min
